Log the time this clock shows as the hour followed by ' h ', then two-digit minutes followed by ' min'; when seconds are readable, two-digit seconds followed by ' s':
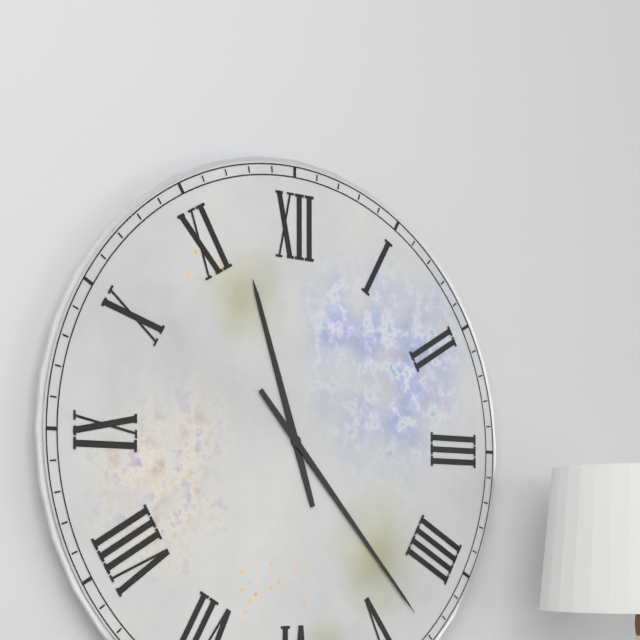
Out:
11 h 23 min
